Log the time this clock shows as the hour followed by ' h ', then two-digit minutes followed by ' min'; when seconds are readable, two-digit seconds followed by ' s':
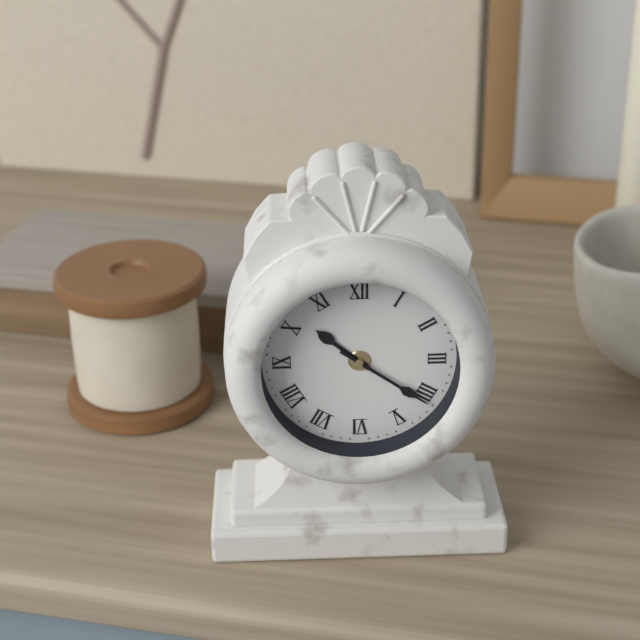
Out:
10 h 21 min
